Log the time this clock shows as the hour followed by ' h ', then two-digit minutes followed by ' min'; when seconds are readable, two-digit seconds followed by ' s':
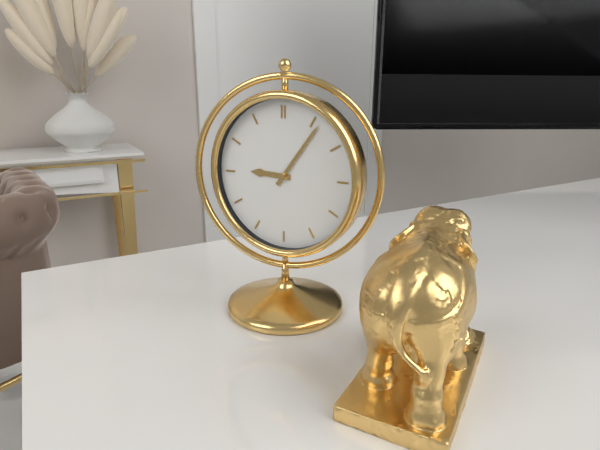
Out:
9 h 06 min
